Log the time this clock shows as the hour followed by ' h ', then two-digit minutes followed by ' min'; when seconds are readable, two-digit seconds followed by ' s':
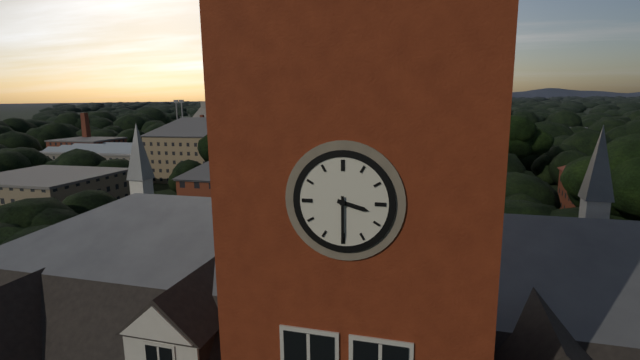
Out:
3 h 30 min
